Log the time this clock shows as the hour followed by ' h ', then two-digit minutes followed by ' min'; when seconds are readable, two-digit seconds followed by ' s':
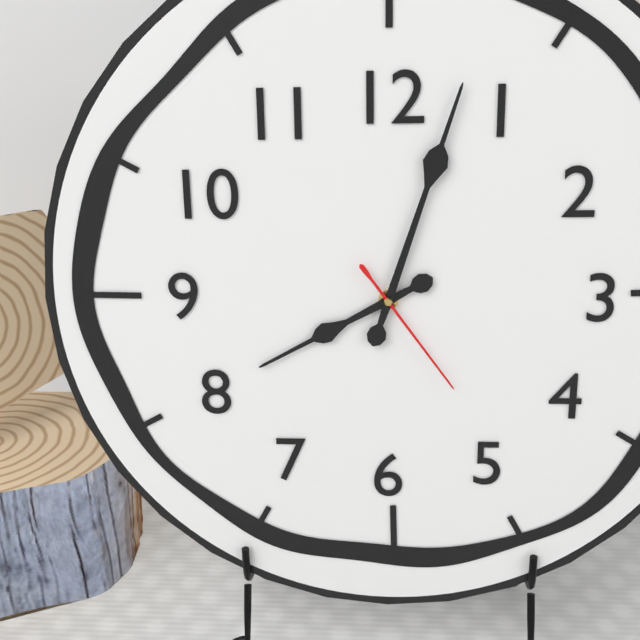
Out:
8 h 03 min 24 s
